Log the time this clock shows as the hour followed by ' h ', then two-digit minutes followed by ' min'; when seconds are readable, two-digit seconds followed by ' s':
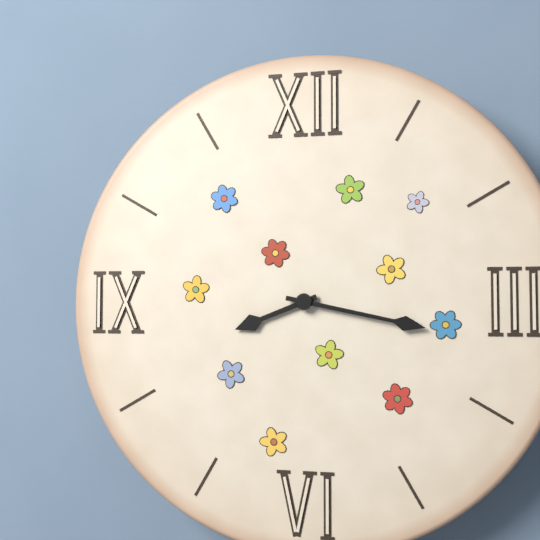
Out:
8 h 17 min
